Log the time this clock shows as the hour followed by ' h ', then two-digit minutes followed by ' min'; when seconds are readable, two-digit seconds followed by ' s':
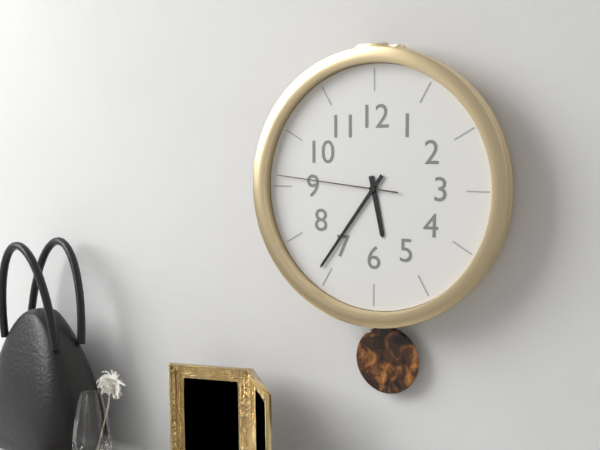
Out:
5 h 36 min 46 s
